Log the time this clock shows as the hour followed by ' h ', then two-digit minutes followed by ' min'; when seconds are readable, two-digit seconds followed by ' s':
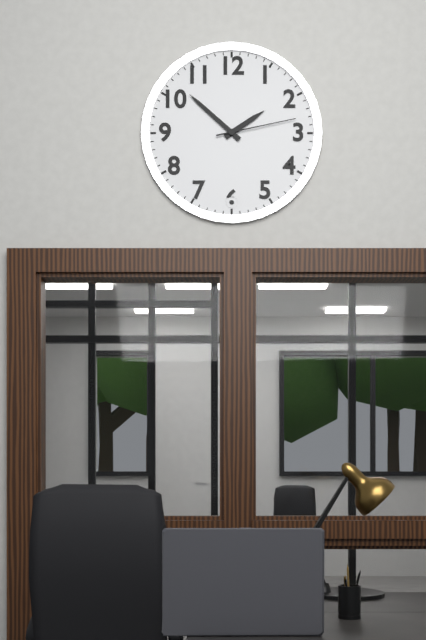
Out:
1 h 52 min 13 s
